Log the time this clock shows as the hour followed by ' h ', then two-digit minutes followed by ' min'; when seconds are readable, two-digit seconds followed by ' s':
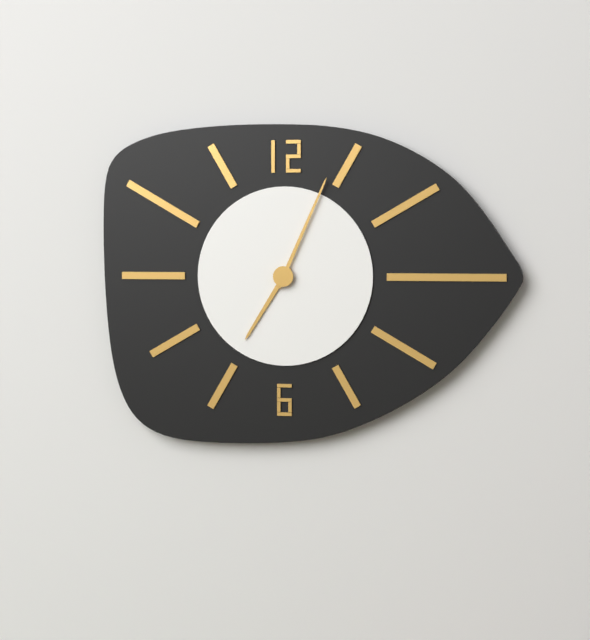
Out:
7 h 04 min
